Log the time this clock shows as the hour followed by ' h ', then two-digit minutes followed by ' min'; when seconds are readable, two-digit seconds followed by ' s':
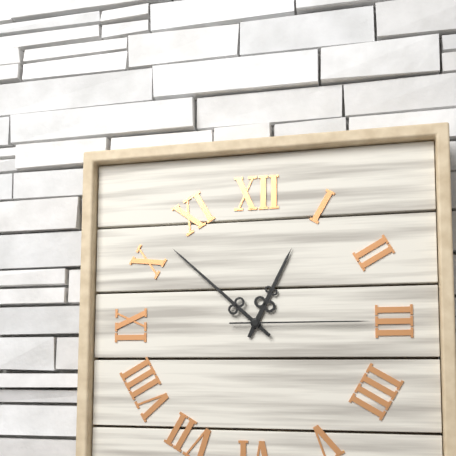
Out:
12 h 52 min 15 s
